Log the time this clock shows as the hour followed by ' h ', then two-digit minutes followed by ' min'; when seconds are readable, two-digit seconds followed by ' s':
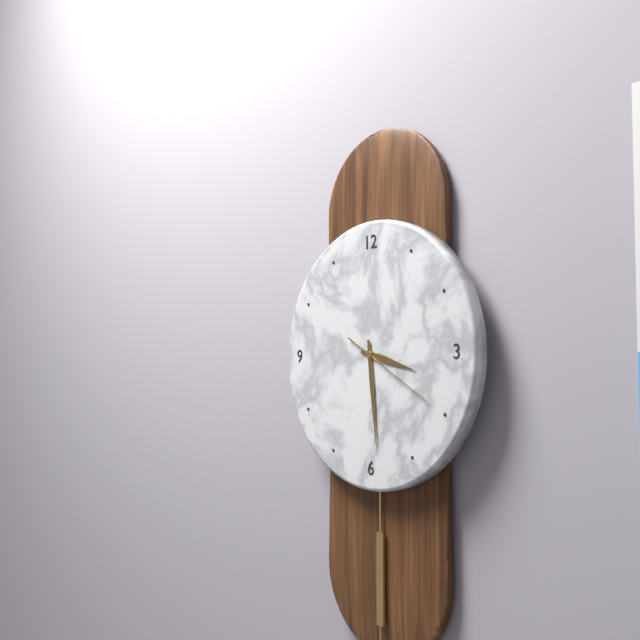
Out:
3 h 29 min 20 s
